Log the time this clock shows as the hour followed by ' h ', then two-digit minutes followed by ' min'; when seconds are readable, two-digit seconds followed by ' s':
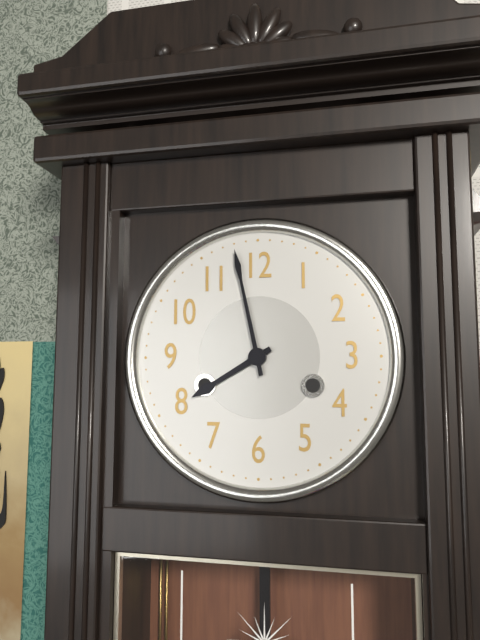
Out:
7 h 58 min
